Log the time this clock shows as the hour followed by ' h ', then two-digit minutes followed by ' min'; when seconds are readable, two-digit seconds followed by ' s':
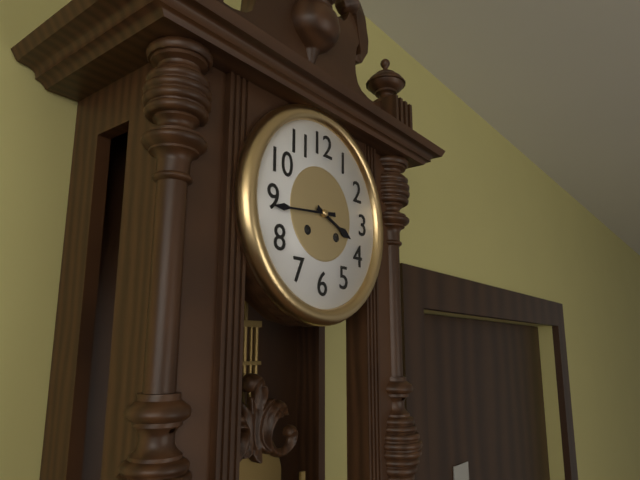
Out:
3 h 44 min
